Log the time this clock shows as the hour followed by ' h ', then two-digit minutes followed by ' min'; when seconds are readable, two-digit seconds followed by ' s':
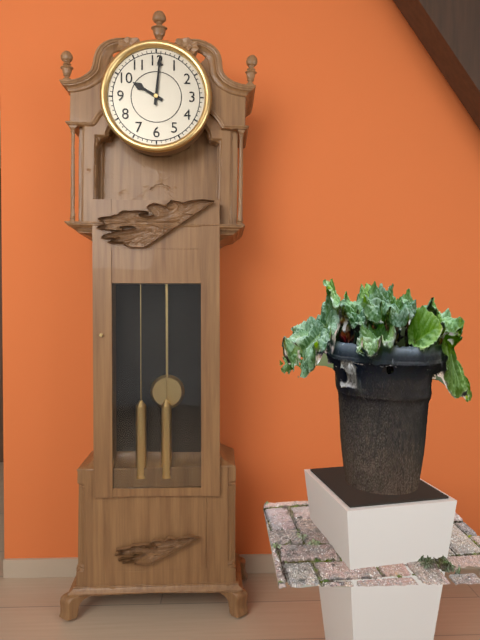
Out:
10 h 01 min
